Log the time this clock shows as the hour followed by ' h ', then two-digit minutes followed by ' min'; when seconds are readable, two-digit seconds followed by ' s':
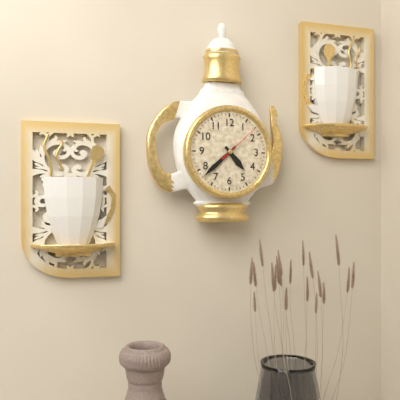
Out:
4 h 38 min
